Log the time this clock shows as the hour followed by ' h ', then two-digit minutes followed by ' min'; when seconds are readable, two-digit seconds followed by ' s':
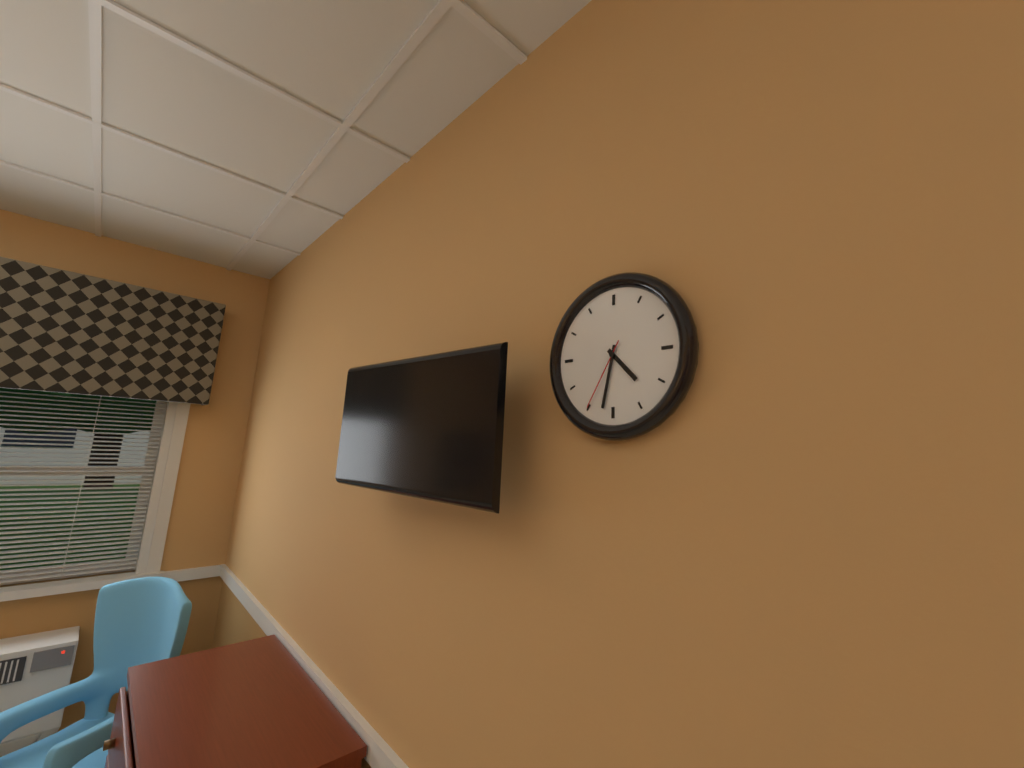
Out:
4 h 32 min 35 s
